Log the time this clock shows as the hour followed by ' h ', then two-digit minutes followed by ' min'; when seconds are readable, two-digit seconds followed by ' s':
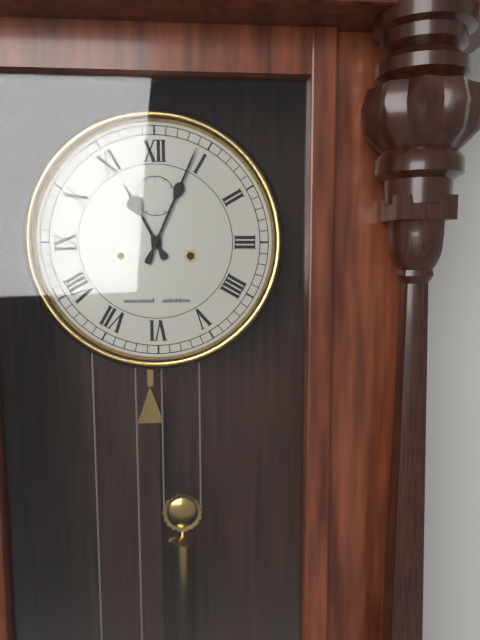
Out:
11 h 04 min
